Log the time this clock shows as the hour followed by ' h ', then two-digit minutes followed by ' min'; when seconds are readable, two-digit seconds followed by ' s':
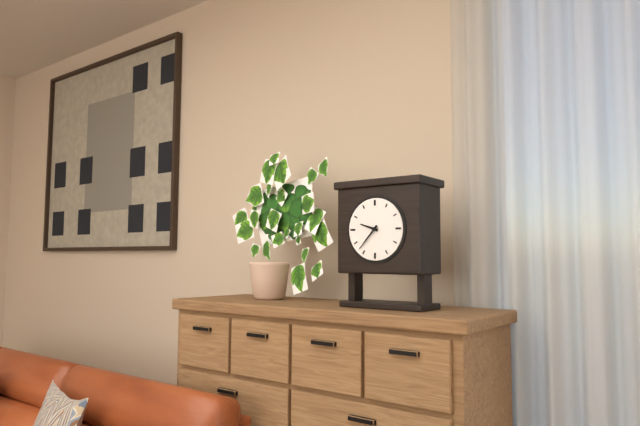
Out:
9 h 37 min
